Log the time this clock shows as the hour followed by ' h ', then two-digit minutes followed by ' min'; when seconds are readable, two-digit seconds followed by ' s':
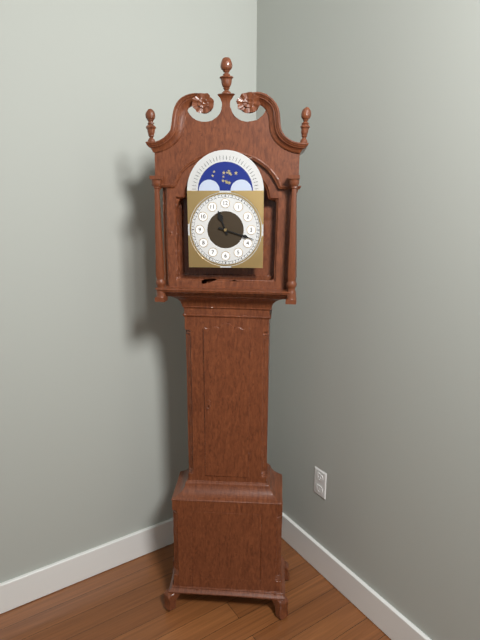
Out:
11 h 18 min
